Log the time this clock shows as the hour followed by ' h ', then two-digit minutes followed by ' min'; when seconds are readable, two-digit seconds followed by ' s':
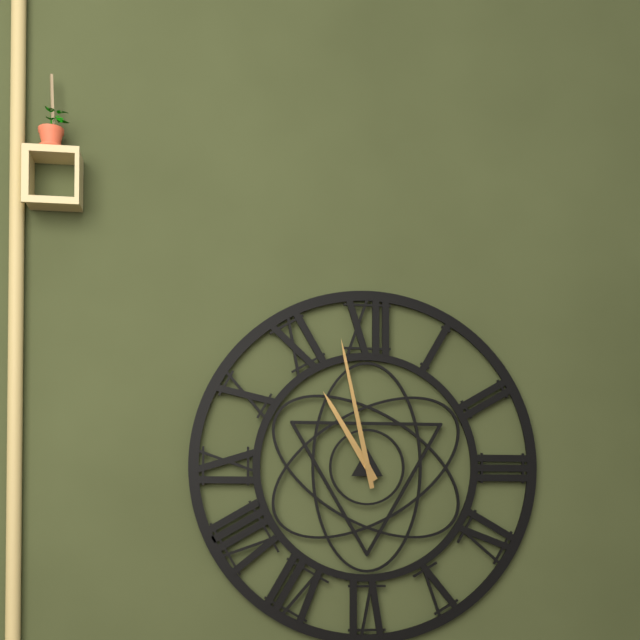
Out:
10 h 58 min
